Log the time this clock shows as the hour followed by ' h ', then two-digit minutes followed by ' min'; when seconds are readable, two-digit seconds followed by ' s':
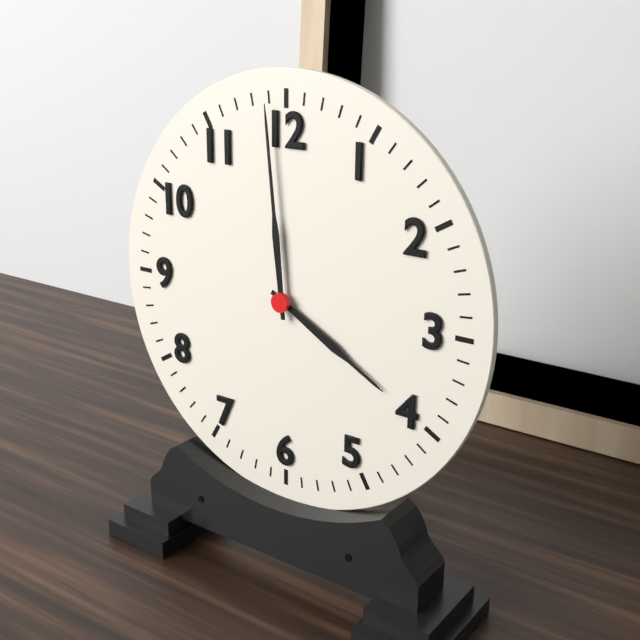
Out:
3 h 59 min
